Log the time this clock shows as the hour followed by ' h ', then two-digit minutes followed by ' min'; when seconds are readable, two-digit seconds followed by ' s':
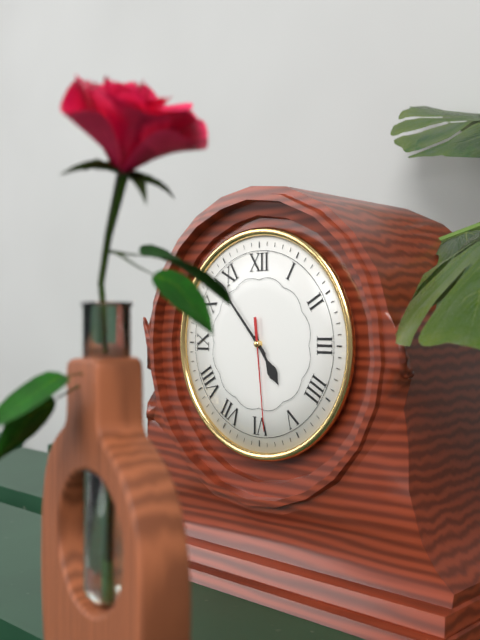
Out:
4 h 53 min 29 s
